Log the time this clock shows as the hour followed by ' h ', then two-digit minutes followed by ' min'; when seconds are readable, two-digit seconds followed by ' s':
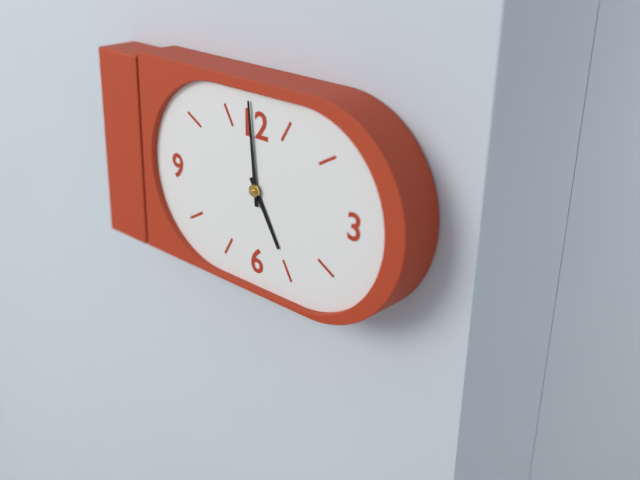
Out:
4 h 59 min
